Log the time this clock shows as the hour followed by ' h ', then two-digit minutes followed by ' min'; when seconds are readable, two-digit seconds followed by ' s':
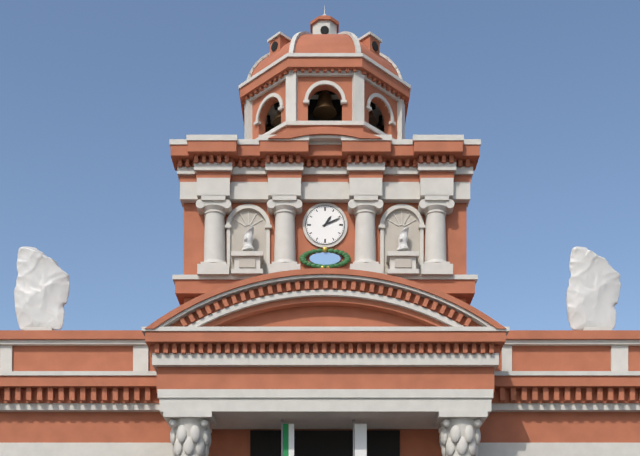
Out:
1 h 11 min
